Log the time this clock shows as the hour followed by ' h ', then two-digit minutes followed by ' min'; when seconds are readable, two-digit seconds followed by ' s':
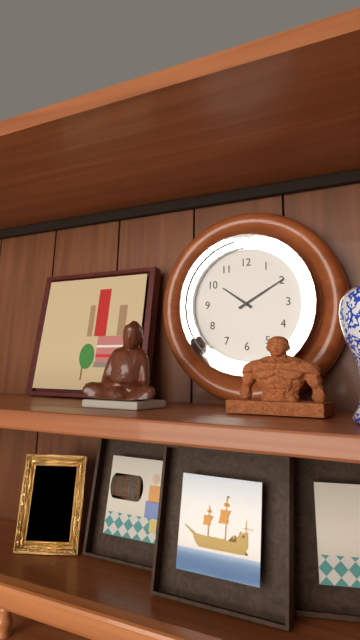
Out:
10 h 10 min
